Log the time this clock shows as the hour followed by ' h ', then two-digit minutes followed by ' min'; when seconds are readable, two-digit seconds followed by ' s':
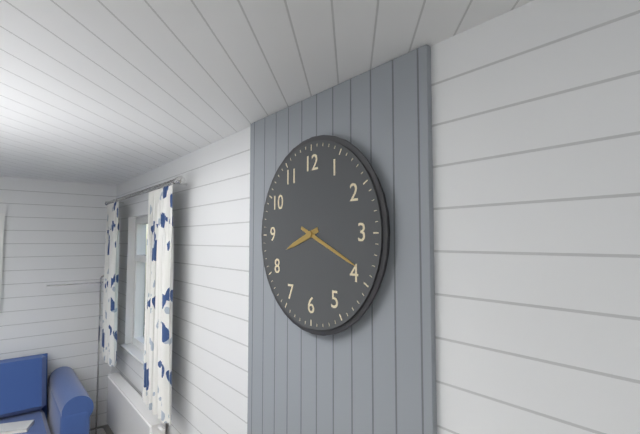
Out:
8 h 19 min
